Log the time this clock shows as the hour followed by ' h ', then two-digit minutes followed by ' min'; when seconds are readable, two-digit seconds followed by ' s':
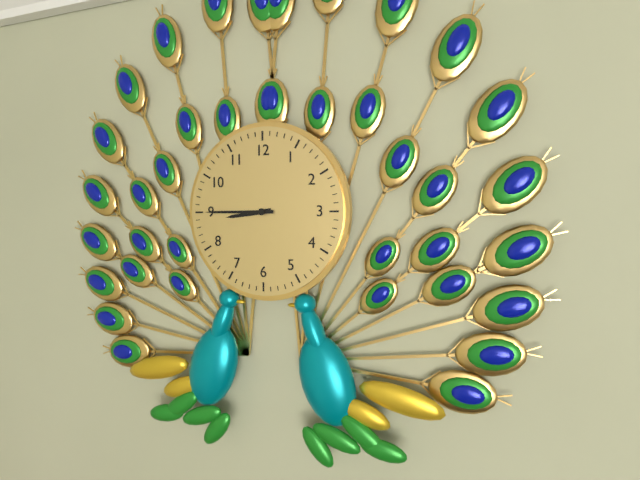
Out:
8 h 45 min
